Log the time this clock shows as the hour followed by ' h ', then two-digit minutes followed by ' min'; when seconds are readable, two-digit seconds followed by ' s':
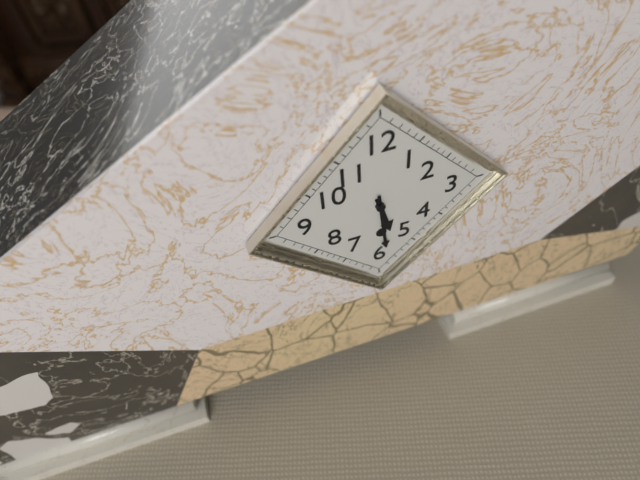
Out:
5 h 29 min
